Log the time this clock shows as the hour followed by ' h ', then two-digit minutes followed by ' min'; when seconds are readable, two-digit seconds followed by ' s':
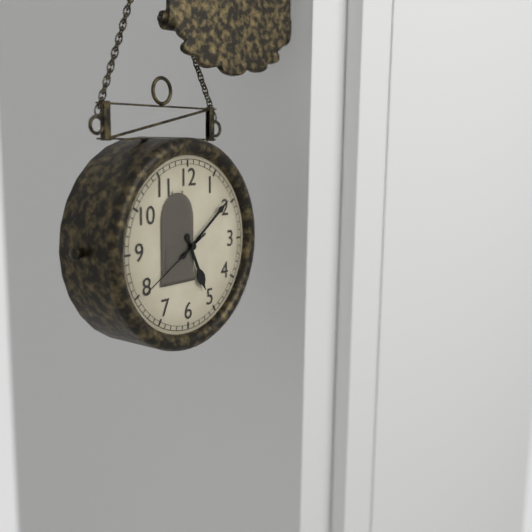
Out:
5 h 09 min 40 s
